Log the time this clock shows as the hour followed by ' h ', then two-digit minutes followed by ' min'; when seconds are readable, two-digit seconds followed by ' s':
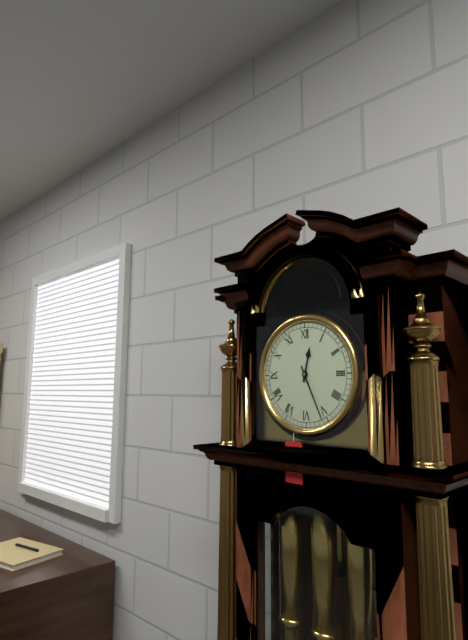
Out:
12 h 26 min
